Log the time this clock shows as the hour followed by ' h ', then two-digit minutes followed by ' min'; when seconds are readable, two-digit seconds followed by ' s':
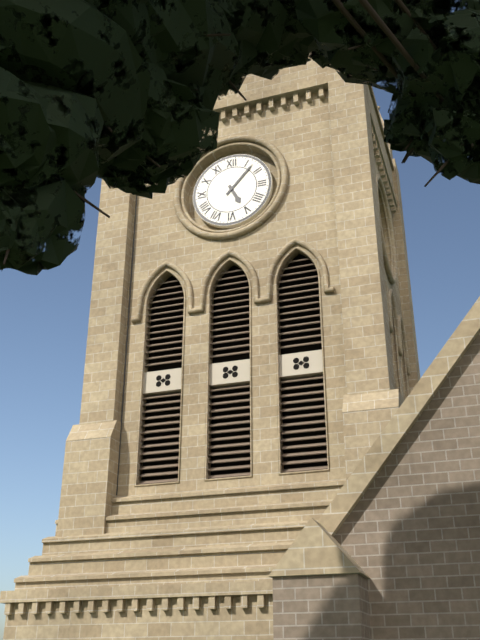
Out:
5 h 07 min
